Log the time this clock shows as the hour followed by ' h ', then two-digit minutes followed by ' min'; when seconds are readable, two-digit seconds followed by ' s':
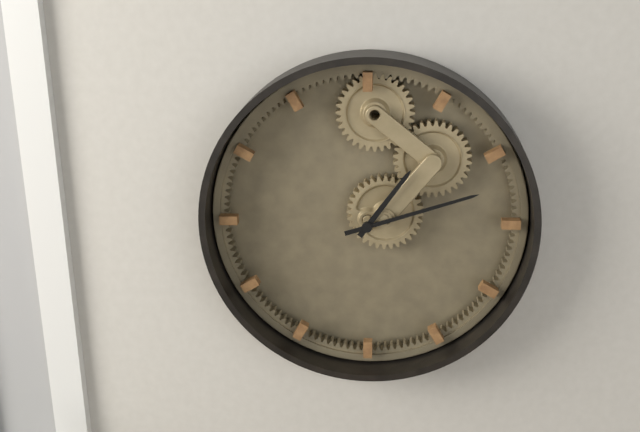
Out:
1 h 12 min
